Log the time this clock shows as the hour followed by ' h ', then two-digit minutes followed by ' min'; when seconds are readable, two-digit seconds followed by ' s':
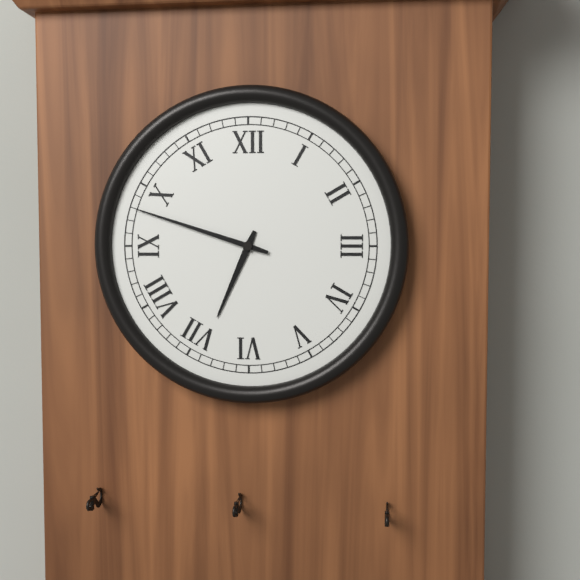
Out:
6 h 48 min
